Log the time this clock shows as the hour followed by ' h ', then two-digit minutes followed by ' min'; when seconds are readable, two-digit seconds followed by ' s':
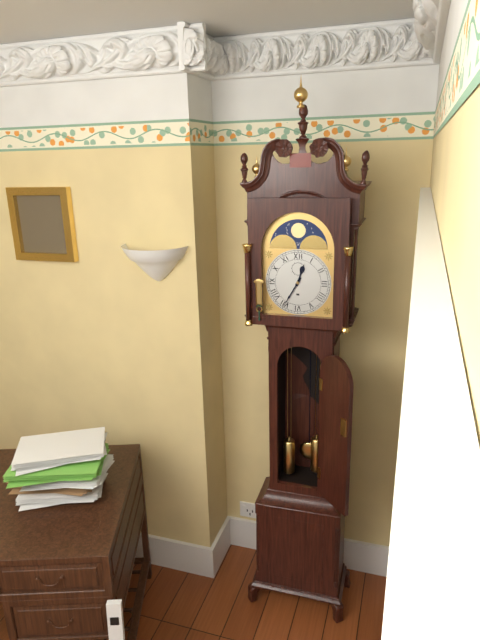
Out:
12 h 35 min
